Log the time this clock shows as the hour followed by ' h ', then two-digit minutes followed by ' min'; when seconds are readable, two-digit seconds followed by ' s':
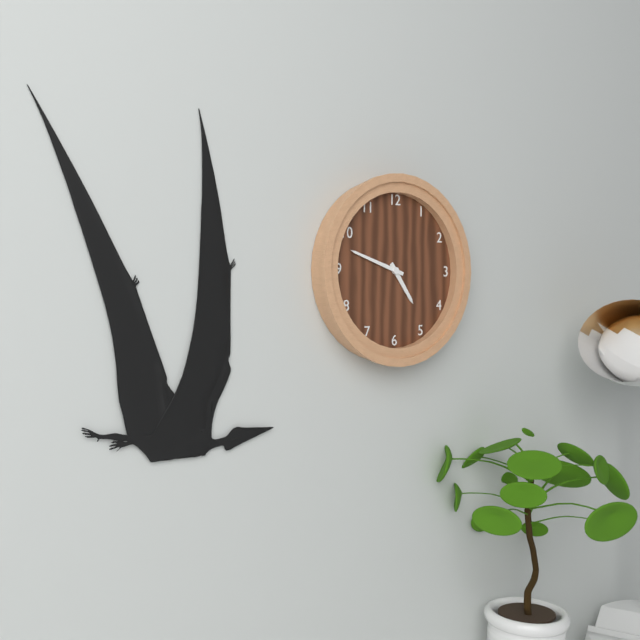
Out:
4 h 48 min
